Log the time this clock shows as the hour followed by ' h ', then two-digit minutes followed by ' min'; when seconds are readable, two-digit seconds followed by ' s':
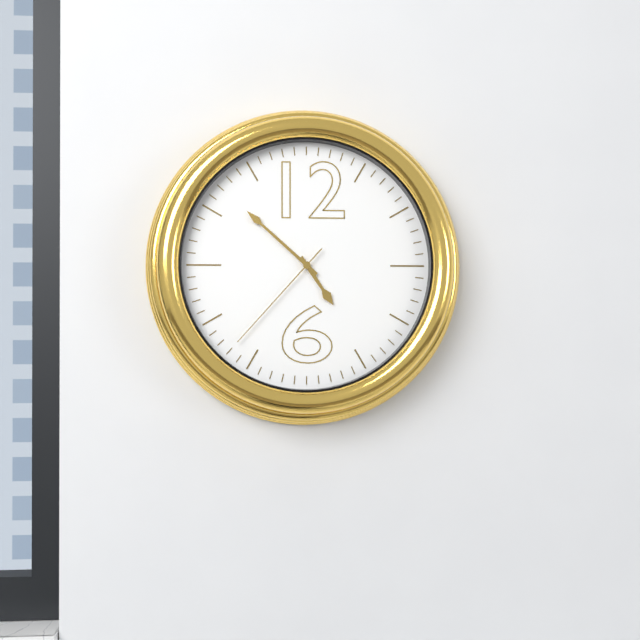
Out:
4 h 52 min 37 s
